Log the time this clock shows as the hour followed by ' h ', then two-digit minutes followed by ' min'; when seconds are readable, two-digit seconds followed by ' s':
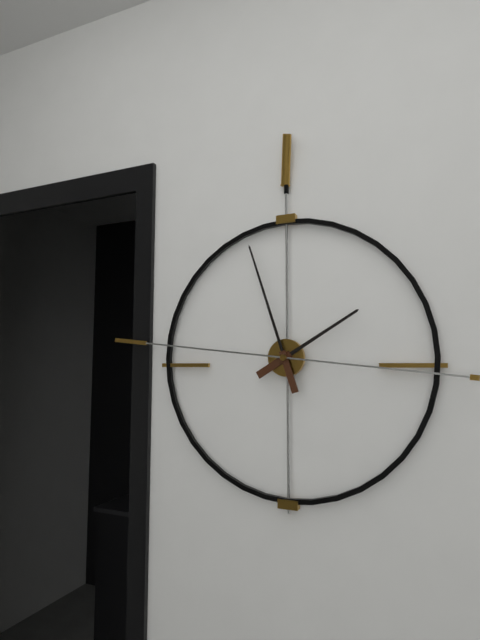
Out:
1 h 57 min 46 s
